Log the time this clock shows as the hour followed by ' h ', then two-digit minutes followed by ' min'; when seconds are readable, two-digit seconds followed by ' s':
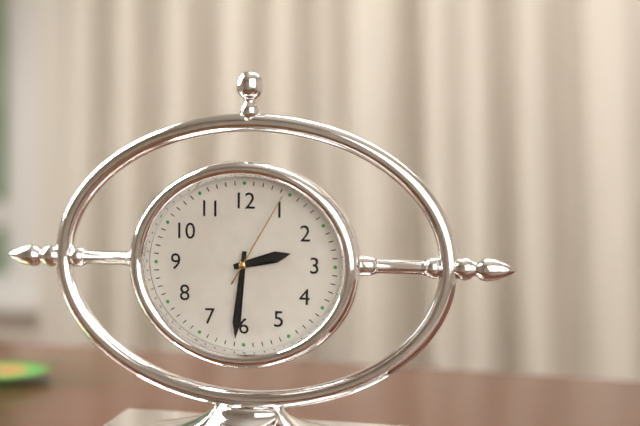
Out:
2 h 31 min 05 s
